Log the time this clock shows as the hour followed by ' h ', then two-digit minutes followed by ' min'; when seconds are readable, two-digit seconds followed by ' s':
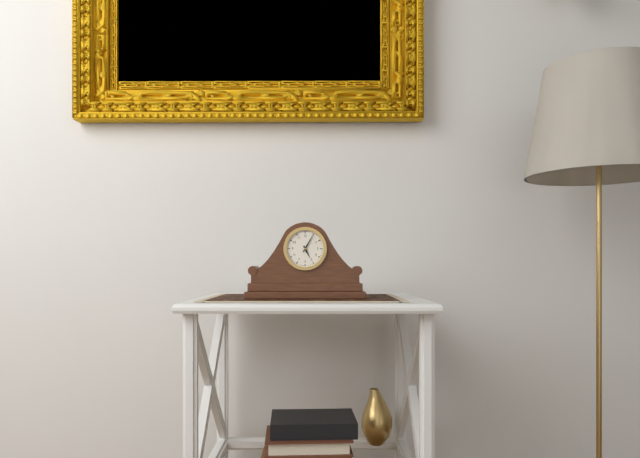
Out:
5 h 05 min
